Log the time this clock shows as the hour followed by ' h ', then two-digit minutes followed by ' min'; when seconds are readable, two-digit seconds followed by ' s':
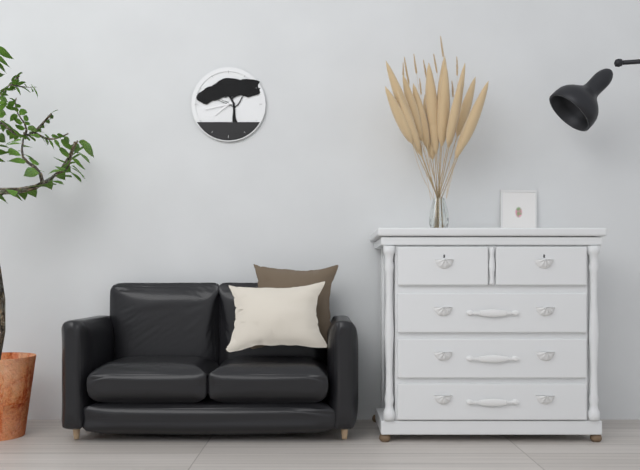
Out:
7 h 43 min
